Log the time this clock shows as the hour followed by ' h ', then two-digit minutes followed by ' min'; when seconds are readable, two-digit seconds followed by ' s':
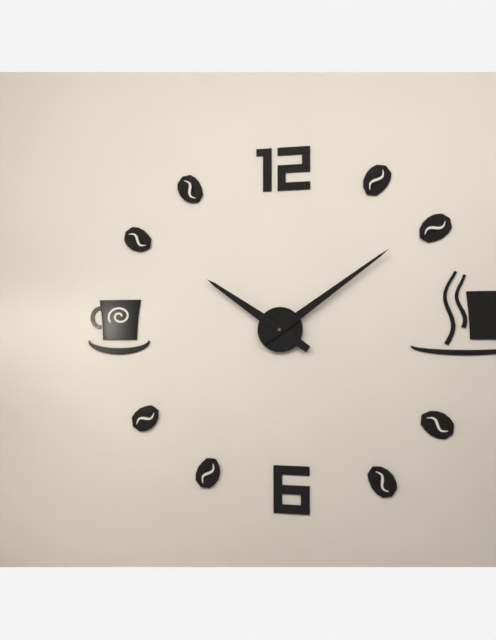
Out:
10 h 09 min
